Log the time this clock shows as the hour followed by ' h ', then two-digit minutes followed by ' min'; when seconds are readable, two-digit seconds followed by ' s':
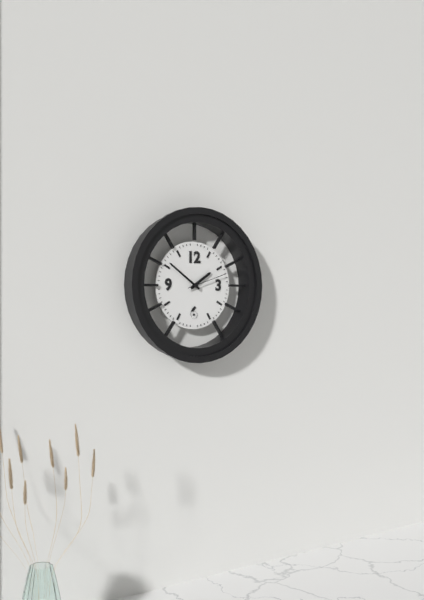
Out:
1 h 51 min
